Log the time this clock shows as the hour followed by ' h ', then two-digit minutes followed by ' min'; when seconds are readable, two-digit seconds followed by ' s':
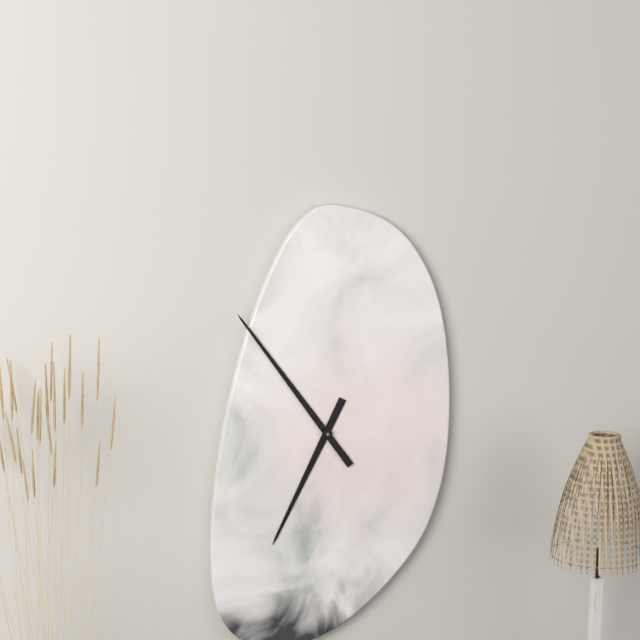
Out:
6 h 54 min
